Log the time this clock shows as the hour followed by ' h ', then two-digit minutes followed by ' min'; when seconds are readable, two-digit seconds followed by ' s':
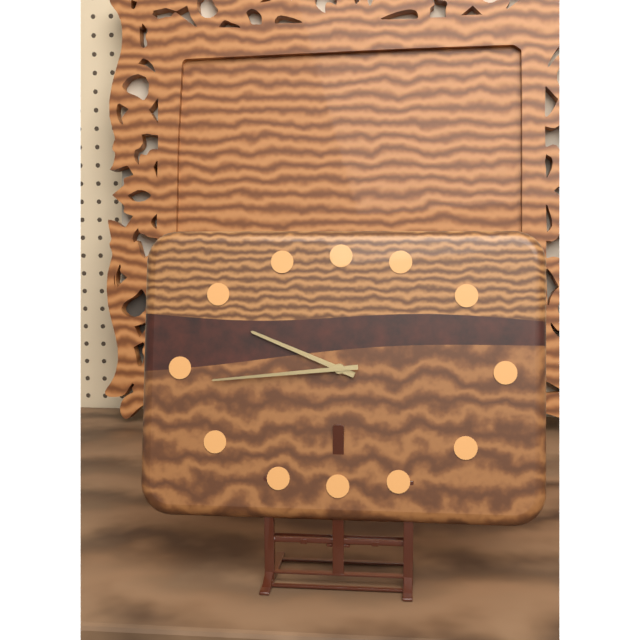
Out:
9 h 44 min
